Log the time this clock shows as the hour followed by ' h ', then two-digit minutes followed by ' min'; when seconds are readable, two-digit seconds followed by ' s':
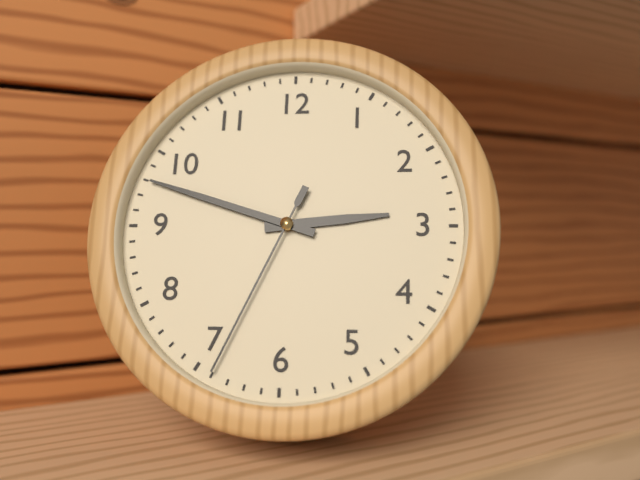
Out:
2 h 48 min 34 s
